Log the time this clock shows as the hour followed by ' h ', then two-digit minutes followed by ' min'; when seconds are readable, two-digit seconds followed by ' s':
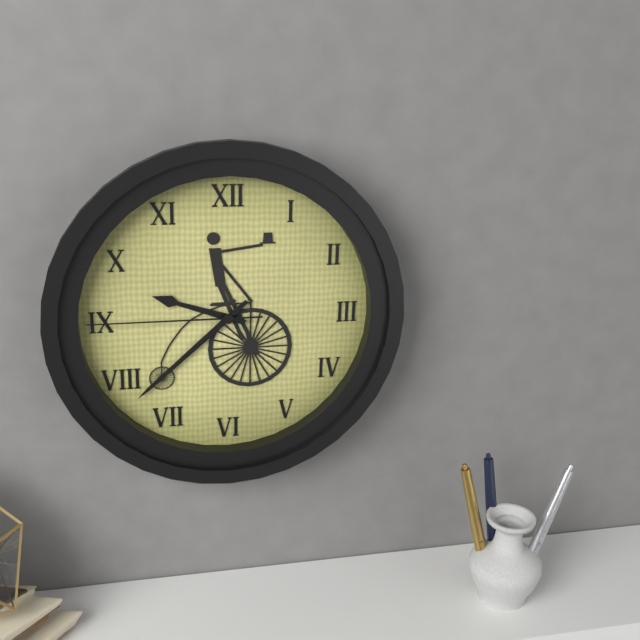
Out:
9 h 38 min 45 s
